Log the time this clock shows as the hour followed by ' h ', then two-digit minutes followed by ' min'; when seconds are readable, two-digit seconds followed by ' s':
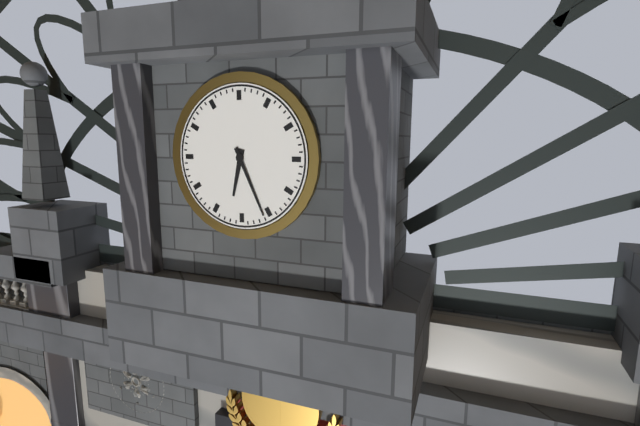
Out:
6 h 26 min
